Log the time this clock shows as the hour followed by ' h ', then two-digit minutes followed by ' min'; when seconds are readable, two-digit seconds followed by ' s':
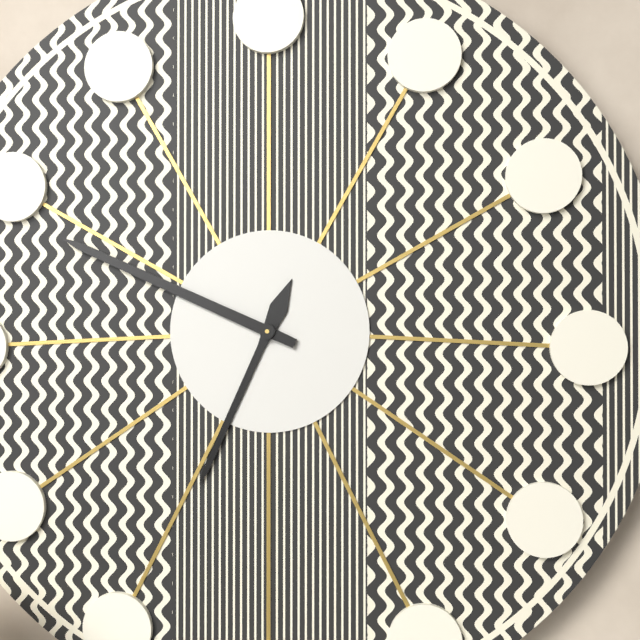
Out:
6 h 49 min
